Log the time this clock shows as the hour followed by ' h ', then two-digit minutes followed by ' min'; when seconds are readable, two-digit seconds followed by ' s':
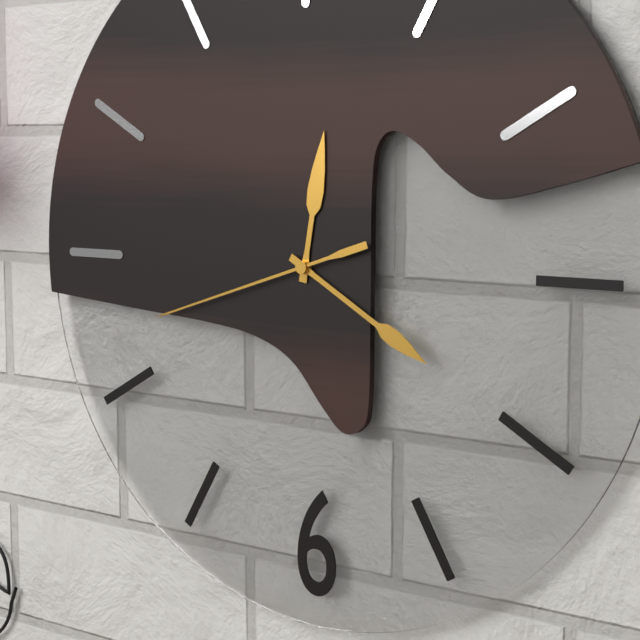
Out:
12 h 20 min 42 s
